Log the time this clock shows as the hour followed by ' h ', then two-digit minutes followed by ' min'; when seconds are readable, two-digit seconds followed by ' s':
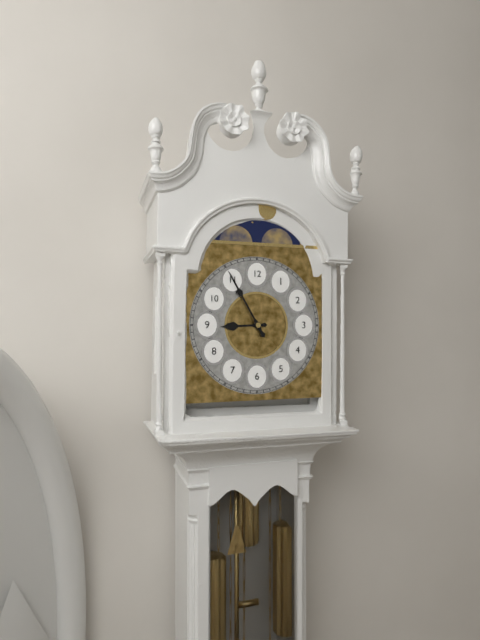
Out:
8 h 55 min
